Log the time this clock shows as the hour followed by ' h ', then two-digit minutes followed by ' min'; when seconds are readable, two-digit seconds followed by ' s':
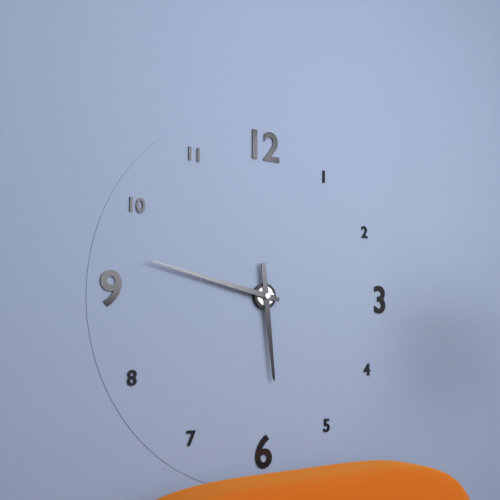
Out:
5 h 47 min
